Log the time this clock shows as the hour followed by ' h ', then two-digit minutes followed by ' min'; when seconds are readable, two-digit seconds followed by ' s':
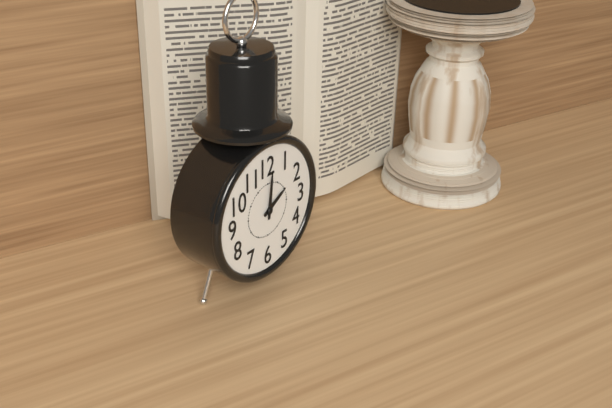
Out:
2 h 01 min
